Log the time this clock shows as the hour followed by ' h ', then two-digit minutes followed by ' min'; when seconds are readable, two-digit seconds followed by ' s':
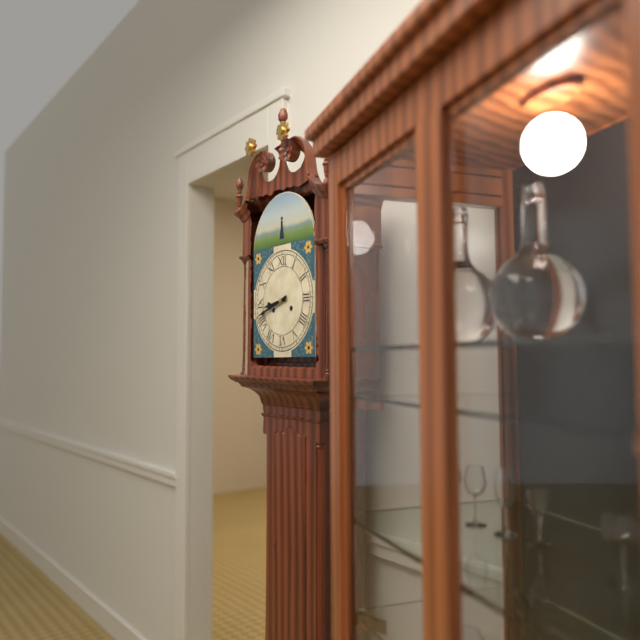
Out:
8 h 42 min
